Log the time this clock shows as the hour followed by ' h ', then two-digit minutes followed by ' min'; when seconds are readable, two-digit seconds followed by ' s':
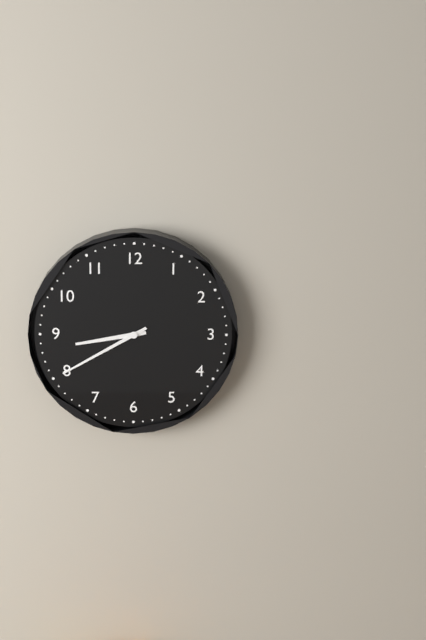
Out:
8 h 40 min
